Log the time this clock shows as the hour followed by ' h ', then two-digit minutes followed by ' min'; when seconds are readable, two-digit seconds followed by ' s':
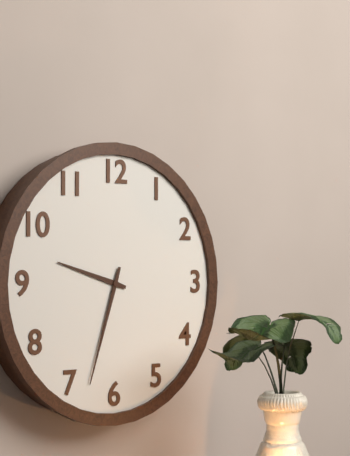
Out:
9 h 33 min
